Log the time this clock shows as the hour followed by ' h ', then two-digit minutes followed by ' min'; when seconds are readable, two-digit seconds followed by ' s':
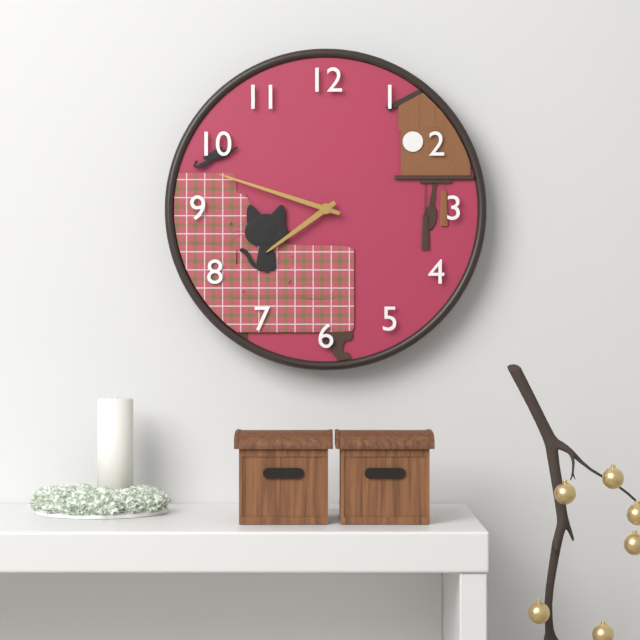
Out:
7 h 48 min
